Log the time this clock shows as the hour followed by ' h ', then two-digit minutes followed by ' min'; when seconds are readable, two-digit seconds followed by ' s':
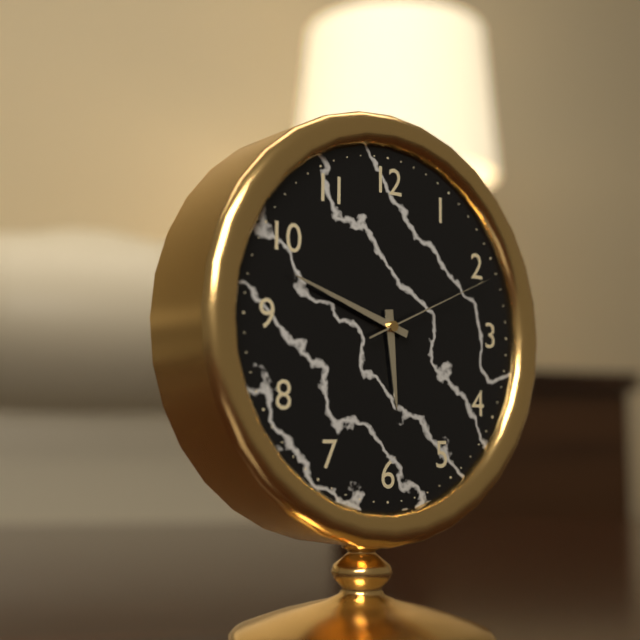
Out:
5 h 48 min 11 s
